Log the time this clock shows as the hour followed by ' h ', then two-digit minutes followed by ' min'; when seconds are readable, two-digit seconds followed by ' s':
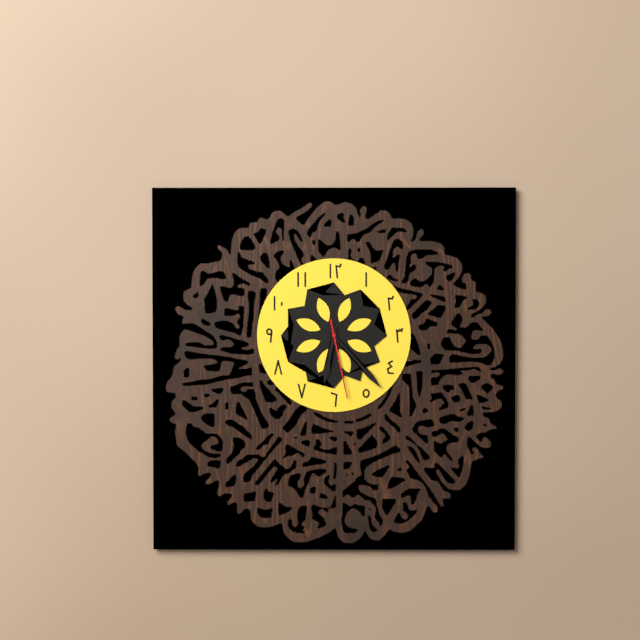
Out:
6 h 23 min 28 s
